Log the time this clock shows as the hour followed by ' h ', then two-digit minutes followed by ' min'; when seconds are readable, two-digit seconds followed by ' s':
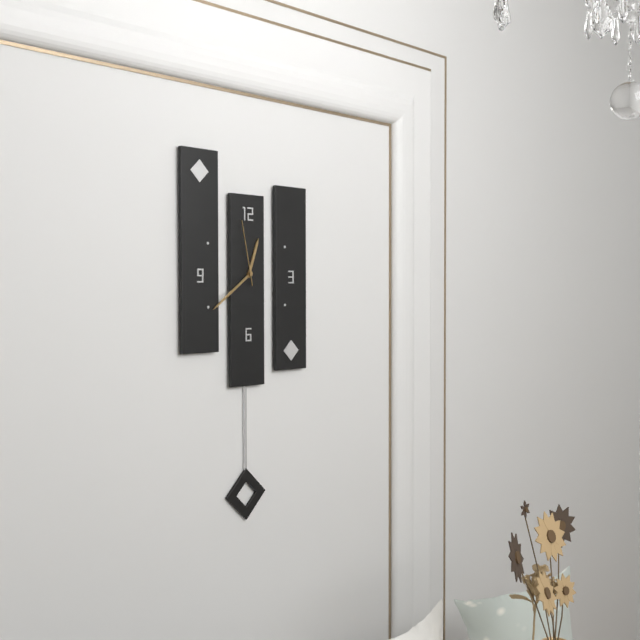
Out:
12 h 39 min 58 s
